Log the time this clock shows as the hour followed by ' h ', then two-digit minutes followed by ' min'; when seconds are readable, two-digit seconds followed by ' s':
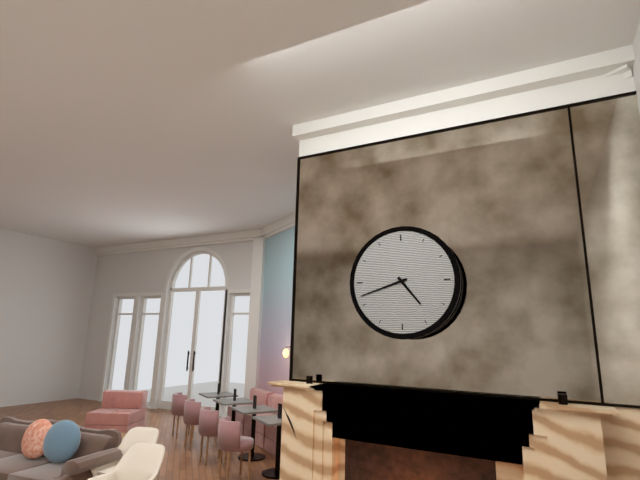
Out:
4 h 42 min
